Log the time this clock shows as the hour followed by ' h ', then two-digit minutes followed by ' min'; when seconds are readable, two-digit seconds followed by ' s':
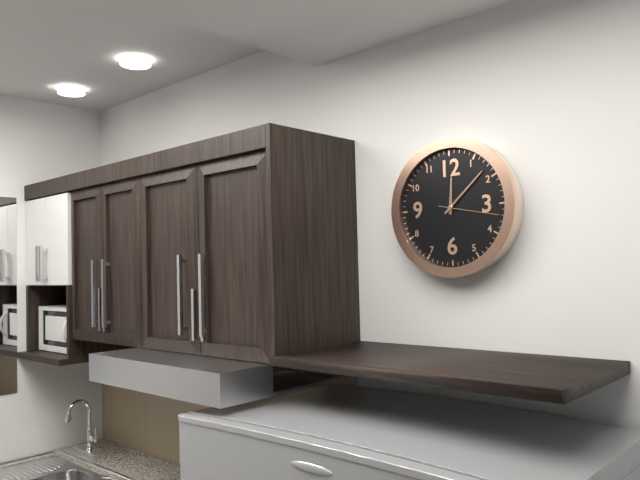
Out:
12 h 08 min 17 s
